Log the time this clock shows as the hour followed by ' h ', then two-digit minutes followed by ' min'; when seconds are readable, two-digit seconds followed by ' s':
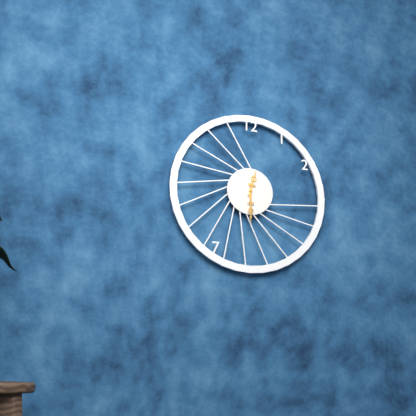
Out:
12 h 30 min
